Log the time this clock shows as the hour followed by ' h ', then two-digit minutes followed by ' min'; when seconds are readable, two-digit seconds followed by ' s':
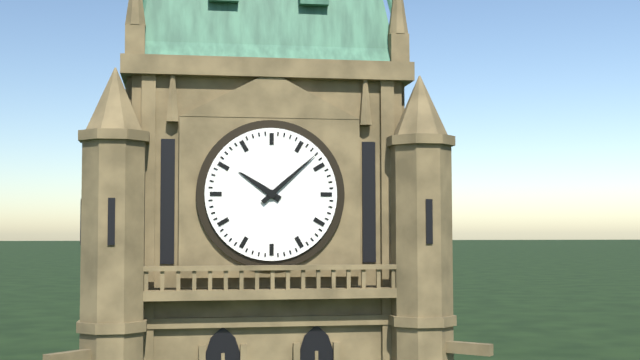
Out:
10 h 08 min
